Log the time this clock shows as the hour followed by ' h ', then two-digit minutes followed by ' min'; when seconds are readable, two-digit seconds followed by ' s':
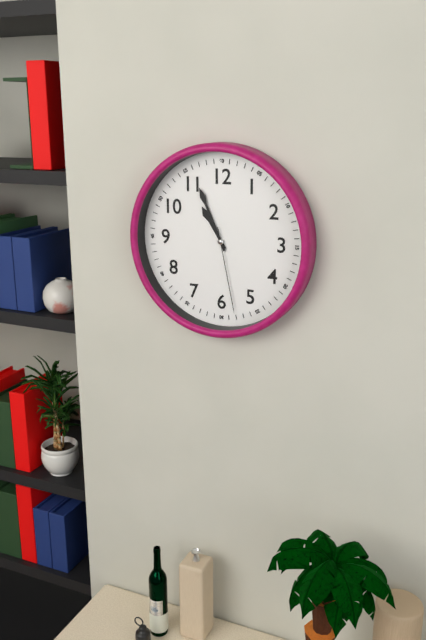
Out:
10 h 56 min 28 s
